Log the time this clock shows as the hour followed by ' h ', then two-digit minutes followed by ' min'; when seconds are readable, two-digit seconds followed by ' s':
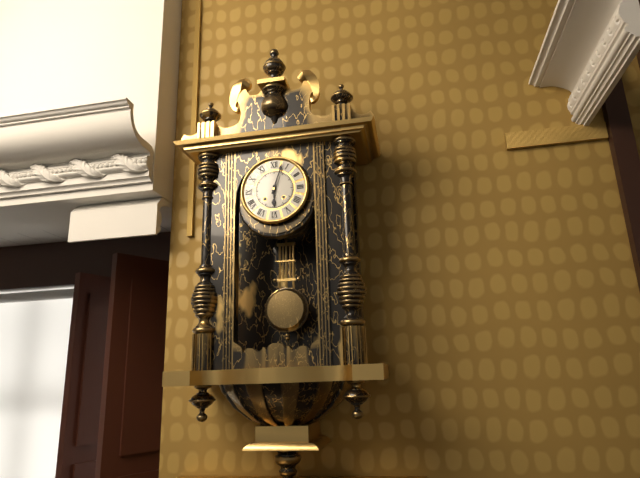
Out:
6 h 03 min
